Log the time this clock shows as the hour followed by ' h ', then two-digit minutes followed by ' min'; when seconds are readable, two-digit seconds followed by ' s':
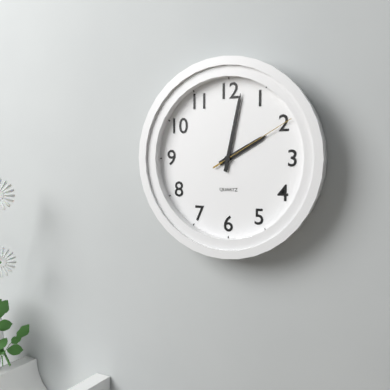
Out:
2 h 02 min 10 s
